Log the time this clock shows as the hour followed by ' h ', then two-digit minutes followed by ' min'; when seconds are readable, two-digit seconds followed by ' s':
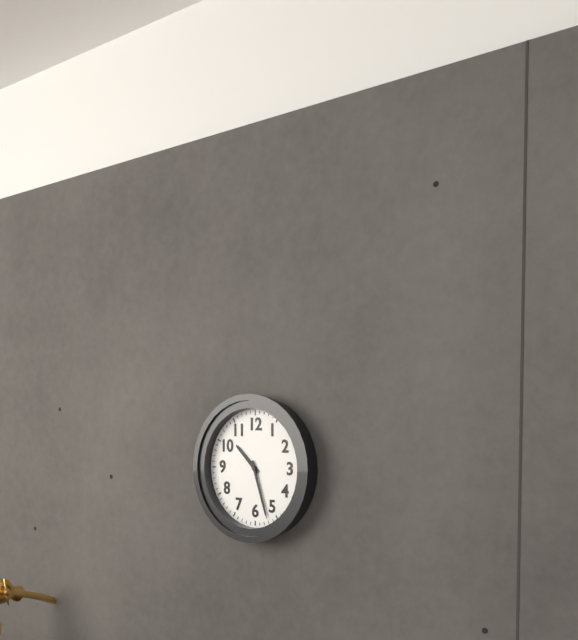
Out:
10 h 27 min
